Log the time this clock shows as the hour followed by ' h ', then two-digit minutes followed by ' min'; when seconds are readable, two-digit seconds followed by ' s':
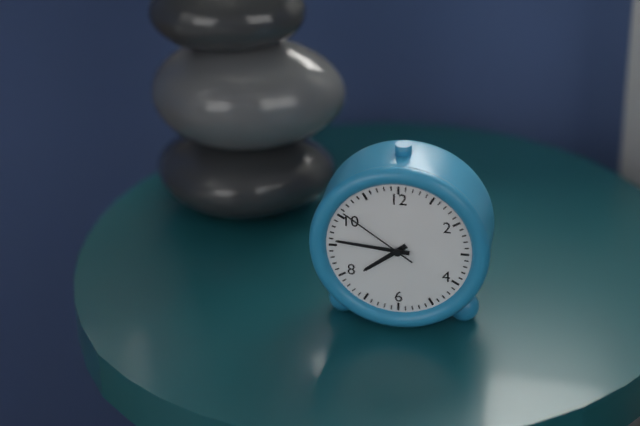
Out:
7 h 46 min 51 s
